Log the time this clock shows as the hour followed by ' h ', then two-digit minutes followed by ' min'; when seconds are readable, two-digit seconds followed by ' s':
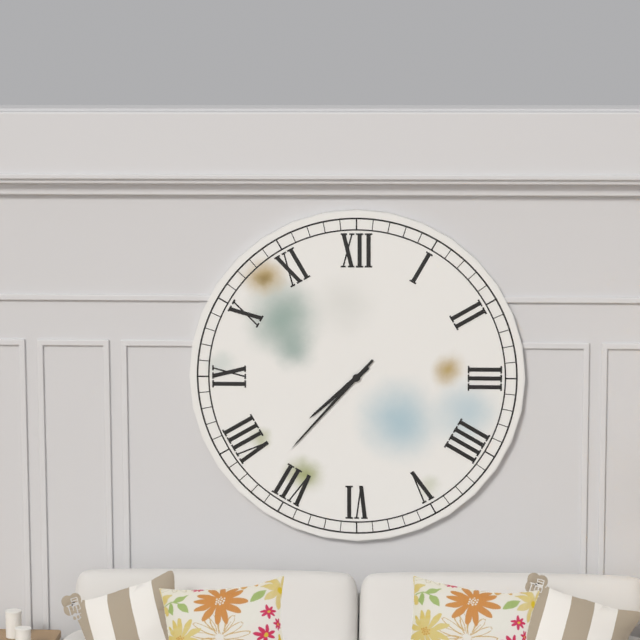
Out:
7 h 37 min
